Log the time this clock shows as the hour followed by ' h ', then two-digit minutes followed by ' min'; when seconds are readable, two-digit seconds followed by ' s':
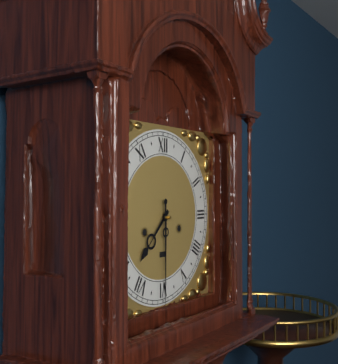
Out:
7 h 30 min
